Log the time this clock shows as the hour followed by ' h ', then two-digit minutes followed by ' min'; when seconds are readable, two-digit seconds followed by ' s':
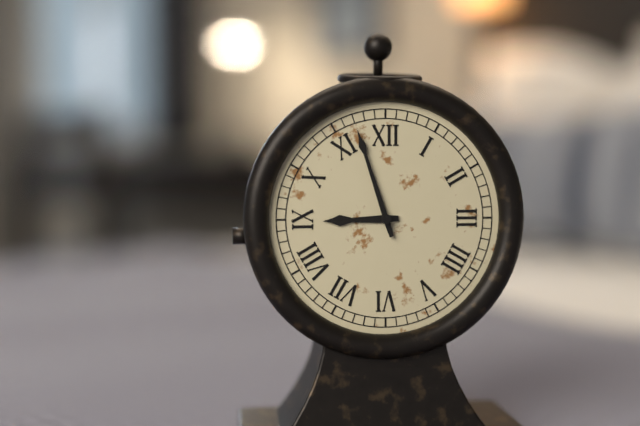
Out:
8 h 57 min
